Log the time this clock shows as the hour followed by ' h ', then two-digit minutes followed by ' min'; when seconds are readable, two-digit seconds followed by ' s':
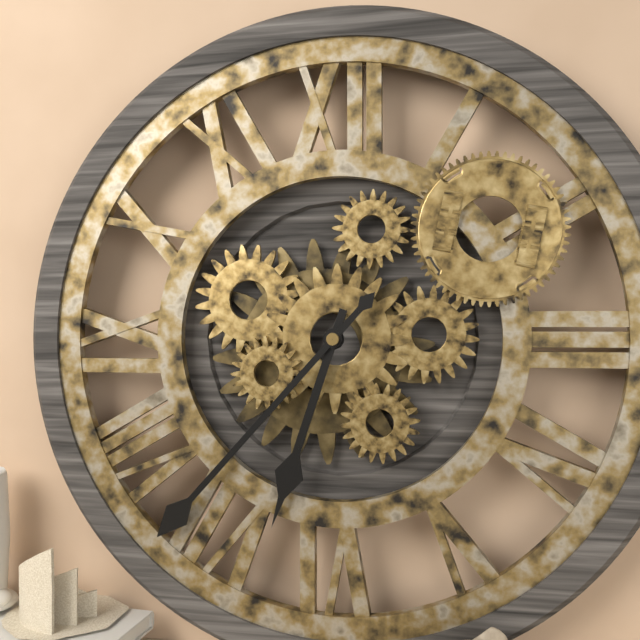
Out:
6 h 37 min
